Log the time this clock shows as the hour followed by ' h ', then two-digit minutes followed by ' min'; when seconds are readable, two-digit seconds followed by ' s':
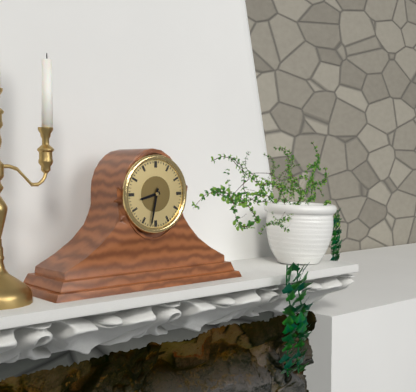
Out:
8 h 32 min
